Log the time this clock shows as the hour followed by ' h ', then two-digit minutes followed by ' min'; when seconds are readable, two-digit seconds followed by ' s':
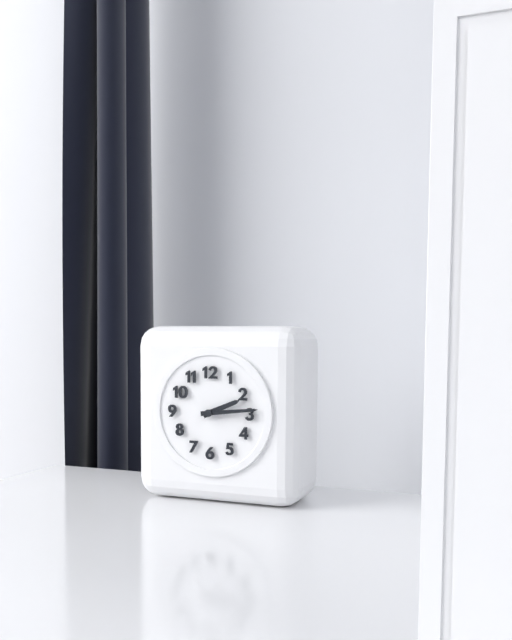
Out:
2 h 14 min
